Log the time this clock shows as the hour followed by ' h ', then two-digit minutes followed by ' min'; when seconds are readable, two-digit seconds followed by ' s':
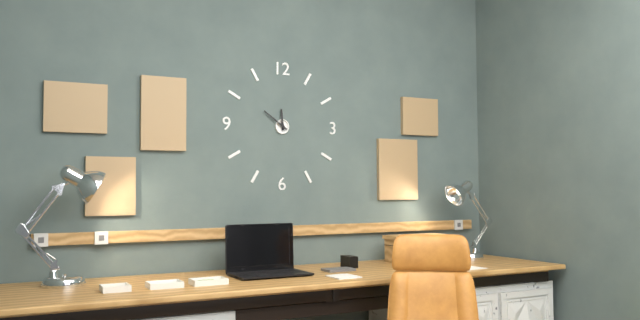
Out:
11 h 51 min
